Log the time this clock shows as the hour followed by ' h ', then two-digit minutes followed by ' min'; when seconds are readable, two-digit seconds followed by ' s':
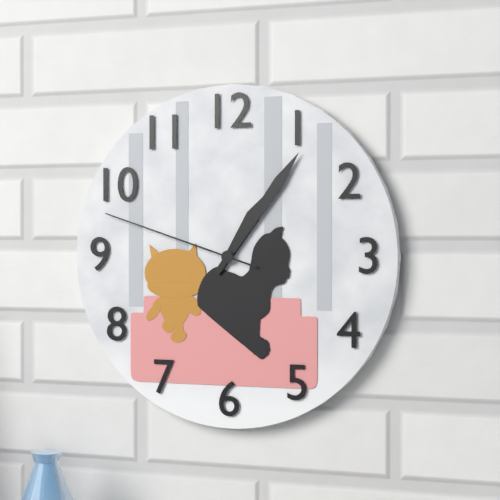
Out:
1 h 06 min 48 s
